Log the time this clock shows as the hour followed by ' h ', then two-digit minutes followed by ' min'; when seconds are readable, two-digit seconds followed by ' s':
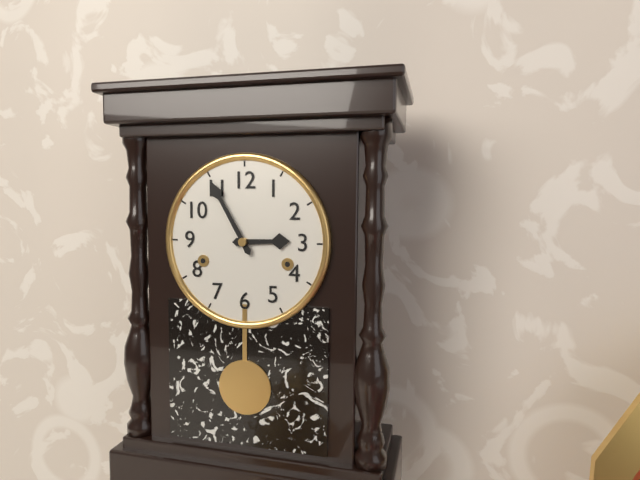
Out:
2 h 55 min
